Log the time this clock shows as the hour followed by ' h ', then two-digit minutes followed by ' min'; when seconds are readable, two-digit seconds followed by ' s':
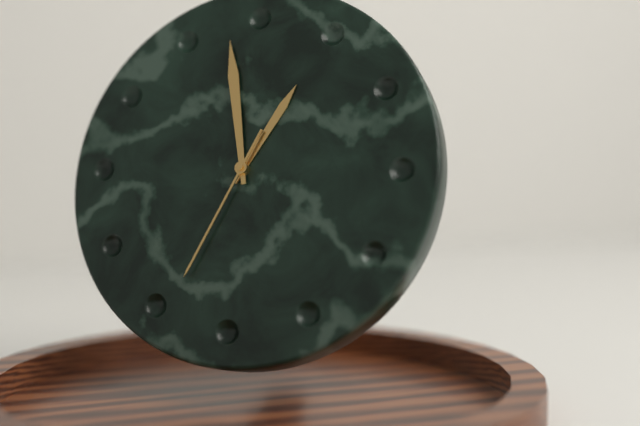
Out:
12 h 58 min 34 s
